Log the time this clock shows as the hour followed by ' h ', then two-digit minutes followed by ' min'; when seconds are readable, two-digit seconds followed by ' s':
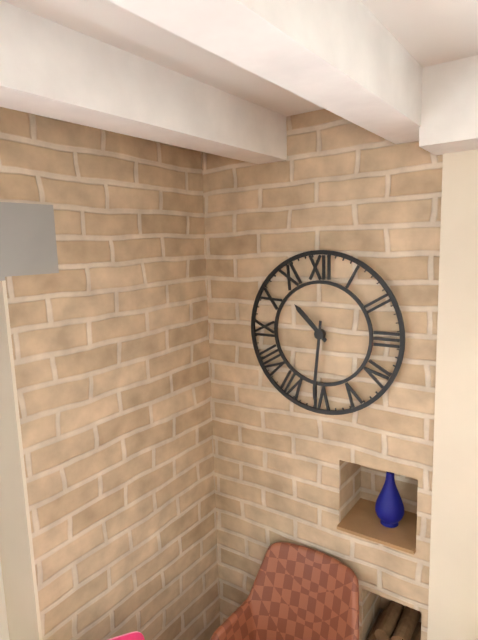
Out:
10 h 31 min
